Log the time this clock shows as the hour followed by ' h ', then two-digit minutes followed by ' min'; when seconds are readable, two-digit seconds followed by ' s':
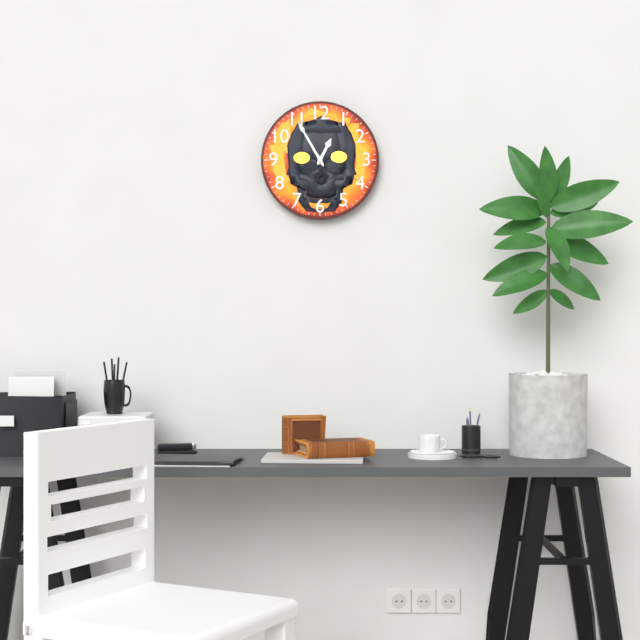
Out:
12 h 55 min
